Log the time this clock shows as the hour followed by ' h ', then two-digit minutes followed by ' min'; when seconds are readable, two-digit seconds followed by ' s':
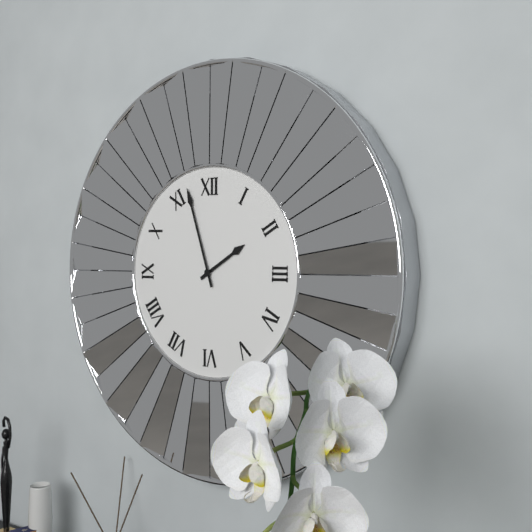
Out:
1 h 57 min
